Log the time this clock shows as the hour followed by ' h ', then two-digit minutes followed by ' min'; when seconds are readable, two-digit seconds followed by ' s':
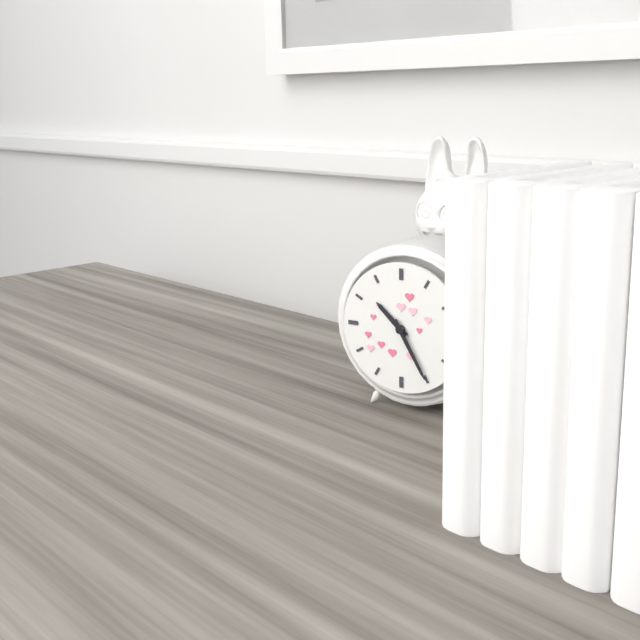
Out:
10 h 25 min
